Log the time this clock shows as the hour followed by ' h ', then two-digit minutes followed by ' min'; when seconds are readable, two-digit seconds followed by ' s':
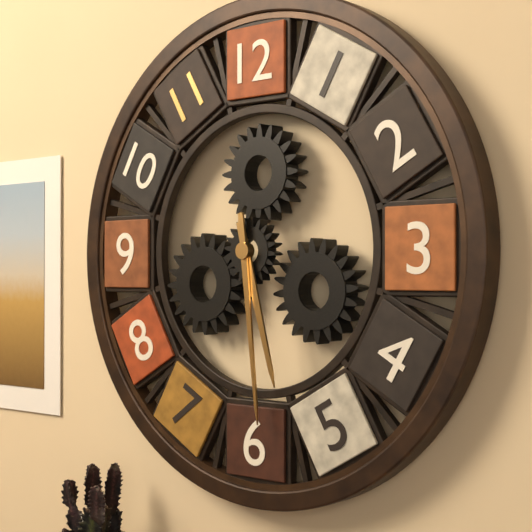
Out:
5 h 29 min
